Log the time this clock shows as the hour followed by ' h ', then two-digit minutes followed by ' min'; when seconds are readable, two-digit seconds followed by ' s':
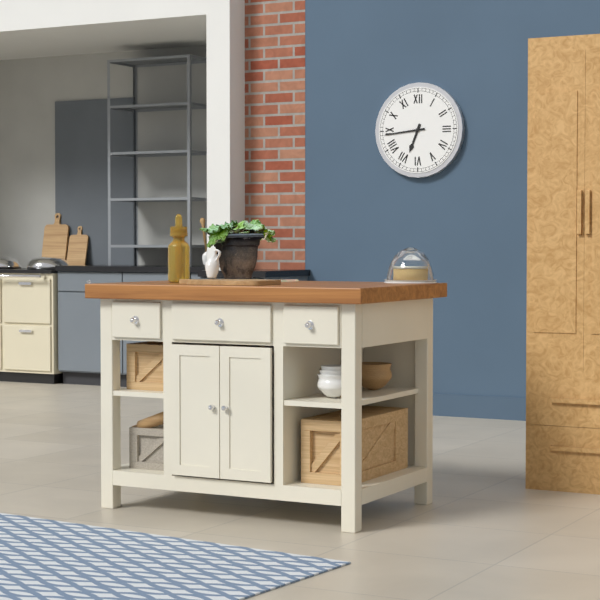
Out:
6 h 44 min
